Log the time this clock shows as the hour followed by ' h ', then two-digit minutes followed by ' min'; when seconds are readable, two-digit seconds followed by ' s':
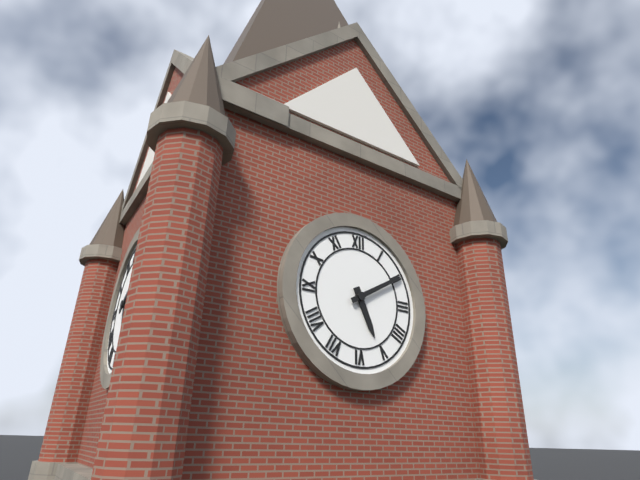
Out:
5 h 10 min
